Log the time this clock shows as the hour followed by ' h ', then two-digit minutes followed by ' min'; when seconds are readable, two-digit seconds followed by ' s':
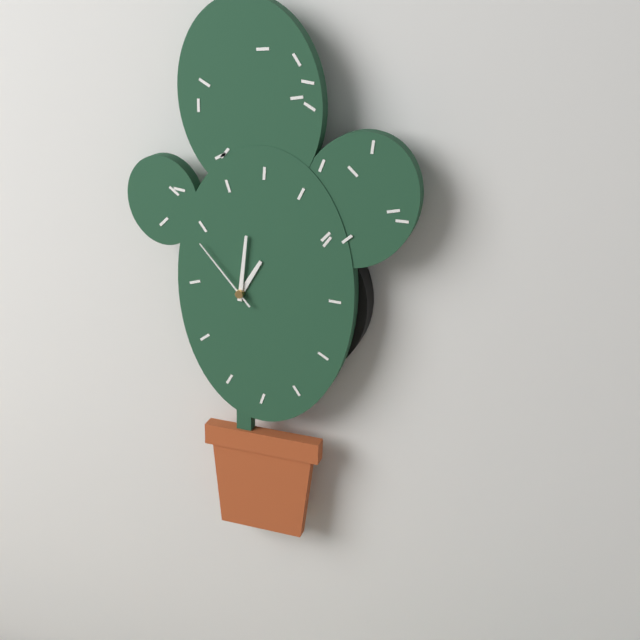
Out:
1 h 01 min 53 s
